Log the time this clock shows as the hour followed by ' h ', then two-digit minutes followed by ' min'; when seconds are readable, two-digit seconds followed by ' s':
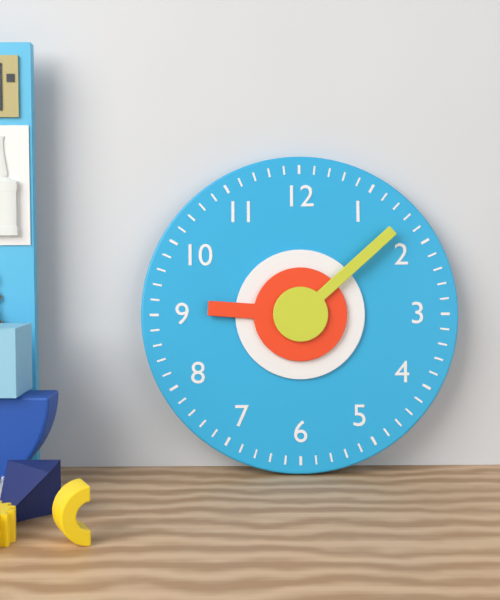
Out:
9 h 08 min
